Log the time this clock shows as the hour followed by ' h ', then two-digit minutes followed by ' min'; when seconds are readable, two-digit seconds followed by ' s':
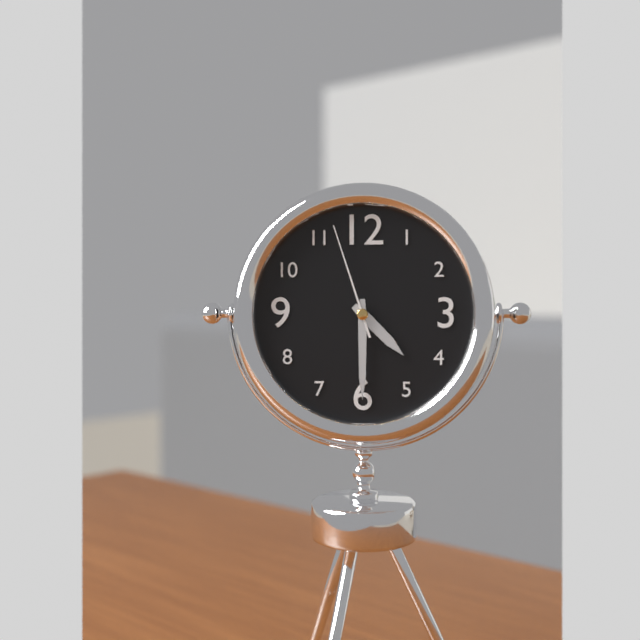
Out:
4 h 30 min 57 s
